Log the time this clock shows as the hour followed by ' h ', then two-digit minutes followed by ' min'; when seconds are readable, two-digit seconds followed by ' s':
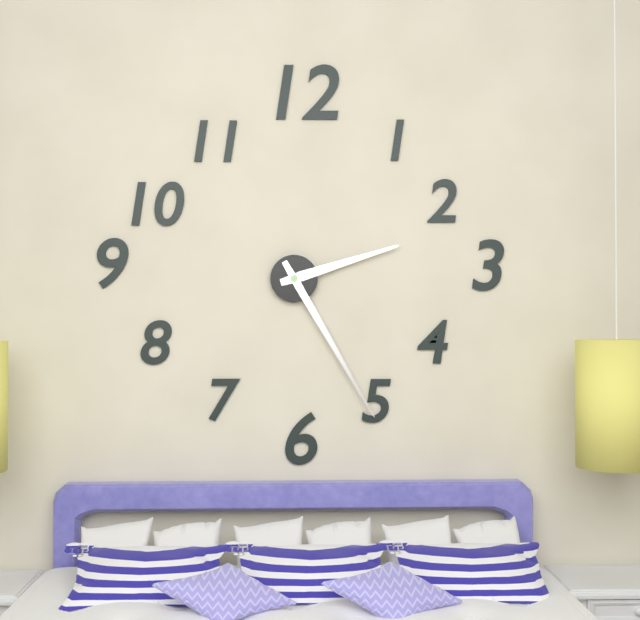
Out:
2 h 25 min
